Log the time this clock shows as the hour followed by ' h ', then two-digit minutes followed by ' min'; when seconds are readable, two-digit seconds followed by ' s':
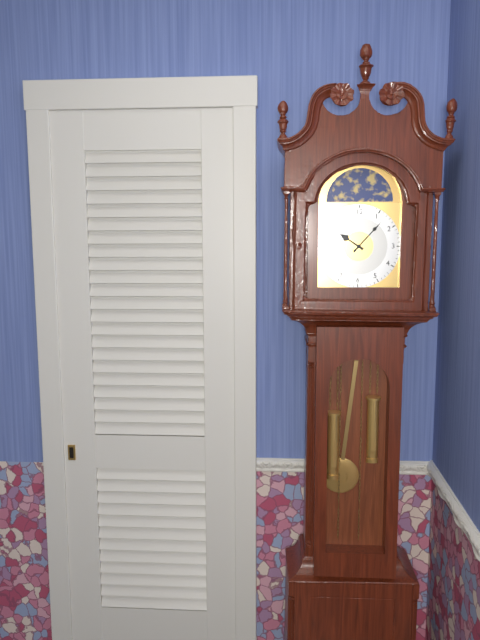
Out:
10 h 07 min
